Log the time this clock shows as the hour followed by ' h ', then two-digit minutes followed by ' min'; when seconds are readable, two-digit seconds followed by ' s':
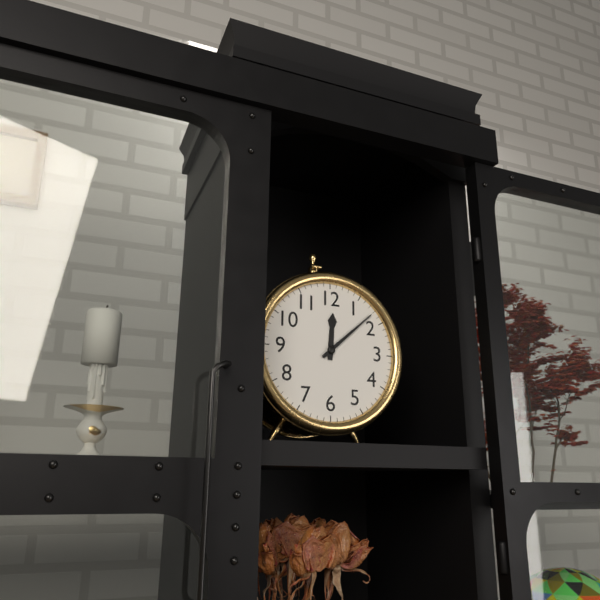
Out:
12 h 08 min
